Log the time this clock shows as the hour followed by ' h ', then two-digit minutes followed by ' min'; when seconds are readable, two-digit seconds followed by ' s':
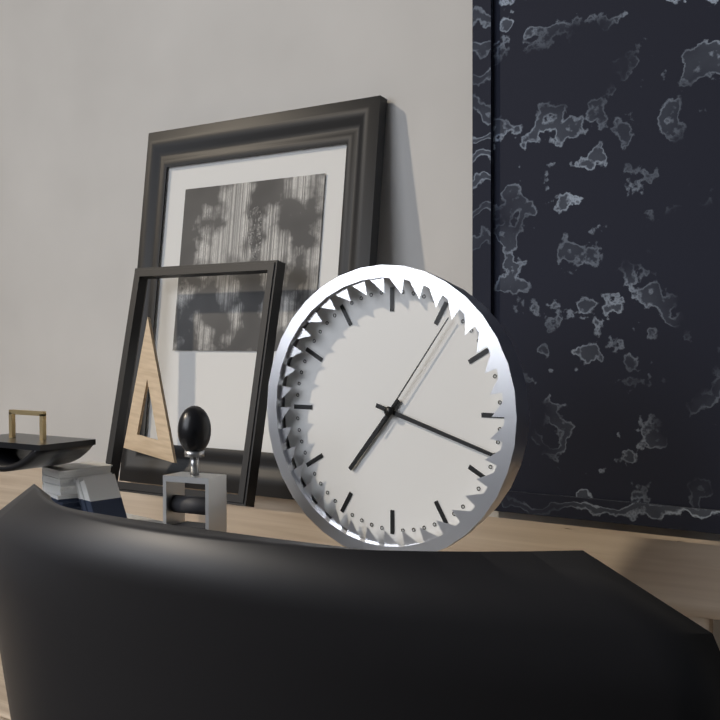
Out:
7 h 18 min 06 s
